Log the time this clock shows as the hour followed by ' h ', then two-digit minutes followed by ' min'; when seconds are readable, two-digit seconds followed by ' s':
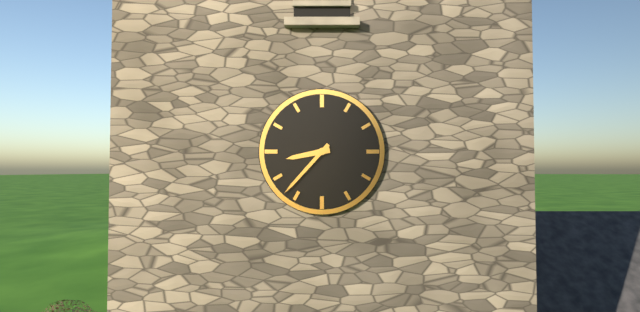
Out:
8 h 37 min
